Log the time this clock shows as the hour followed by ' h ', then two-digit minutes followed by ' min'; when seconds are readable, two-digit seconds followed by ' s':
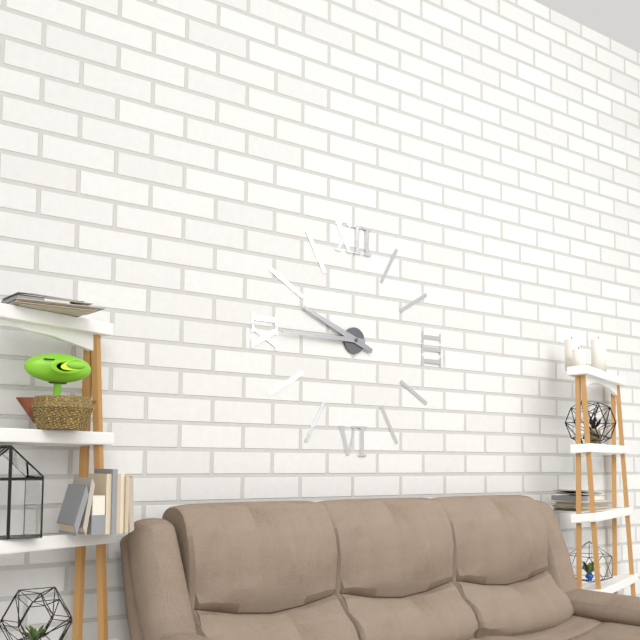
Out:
9 h 45 min
